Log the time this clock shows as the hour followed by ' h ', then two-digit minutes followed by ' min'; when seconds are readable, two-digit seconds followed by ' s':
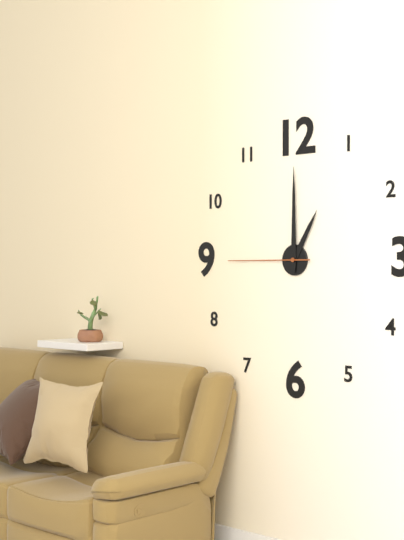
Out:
1 h 00 min 45 s
